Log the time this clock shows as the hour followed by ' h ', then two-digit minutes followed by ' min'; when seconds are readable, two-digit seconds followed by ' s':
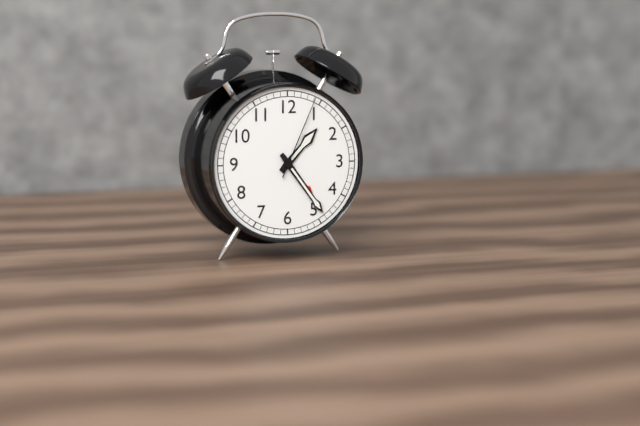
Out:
1 h 24 min 04 s
